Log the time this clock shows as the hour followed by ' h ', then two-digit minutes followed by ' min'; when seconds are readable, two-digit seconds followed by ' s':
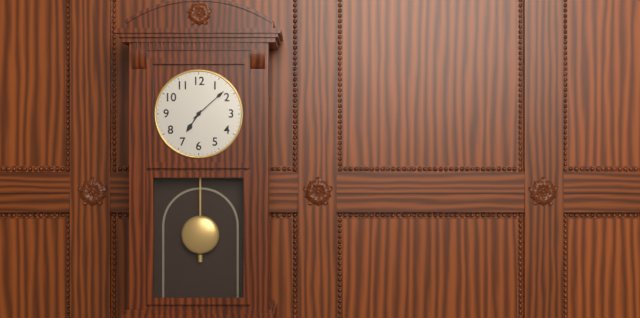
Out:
7 h 08 min
